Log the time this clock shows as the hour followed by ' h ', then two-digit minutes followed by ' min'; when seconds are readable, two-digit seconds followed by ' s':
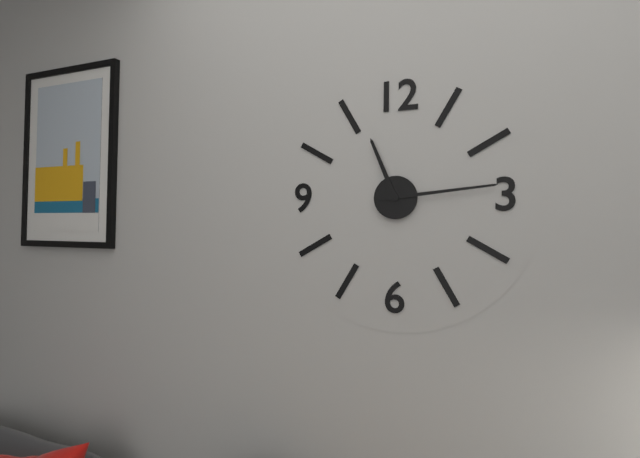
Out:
11 h 14 min
